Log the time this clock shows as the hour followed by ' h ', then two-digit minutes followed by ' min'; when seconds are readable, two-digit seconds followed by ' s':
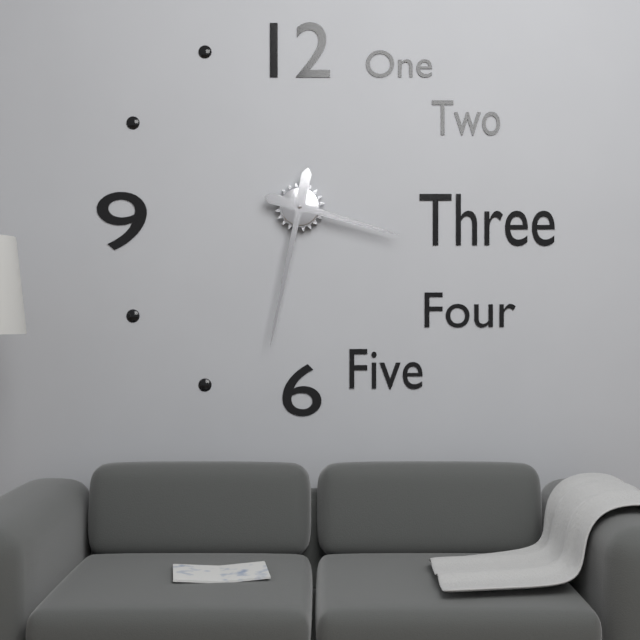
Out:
3 h 32 min
